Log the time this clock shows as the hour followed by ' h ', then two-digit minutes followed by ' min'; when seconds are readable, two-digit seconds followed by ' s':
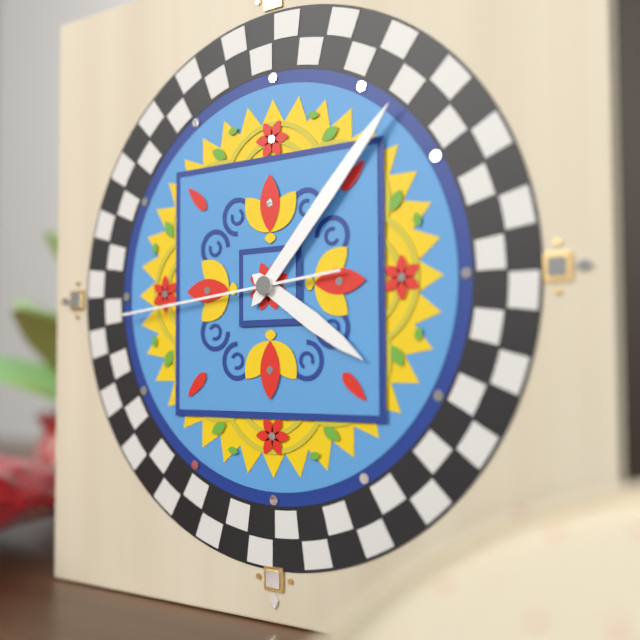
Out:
4 h 07 min 44 s
